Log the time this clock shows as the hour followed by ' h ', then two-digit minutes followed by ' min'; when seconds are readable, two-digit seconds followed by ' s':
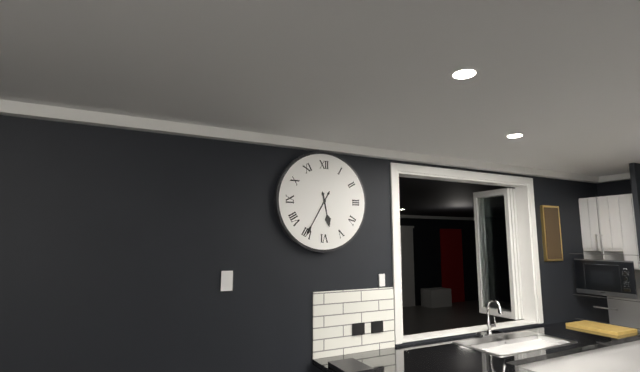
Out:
5 h 35 min
